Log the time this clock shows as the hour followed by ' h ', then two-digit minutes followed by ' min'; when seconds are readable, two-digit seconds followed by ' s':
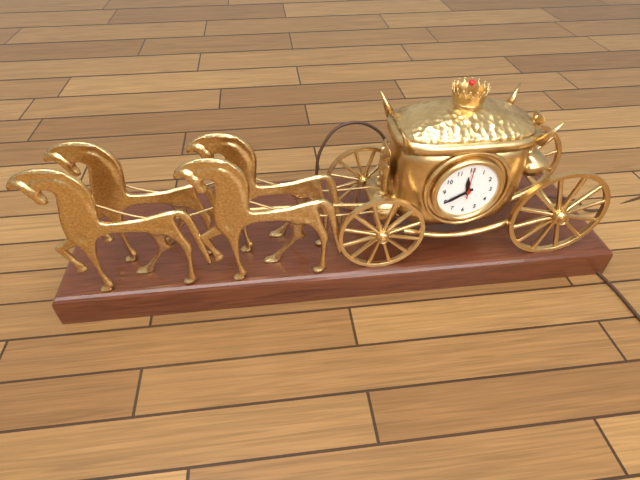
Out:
11 h 40 min
